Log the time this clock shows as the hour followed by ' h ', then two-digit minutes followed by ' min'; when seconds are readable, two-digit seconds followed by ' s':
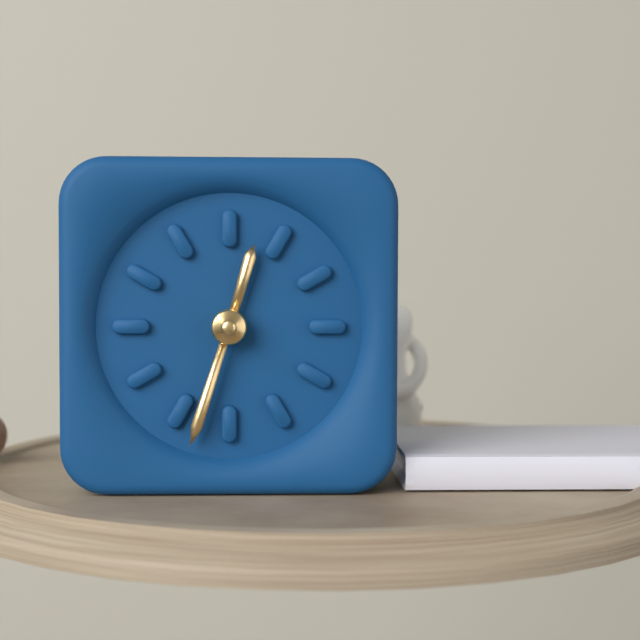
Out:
12 h 33 min
